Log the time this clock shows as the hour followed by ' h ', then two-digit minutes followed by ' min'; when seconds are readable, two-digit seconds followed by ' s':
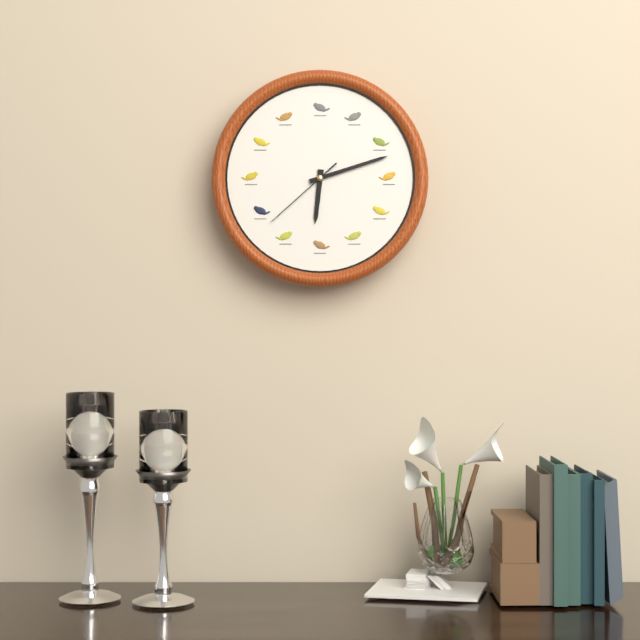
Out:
6 h 12 min 38 s
